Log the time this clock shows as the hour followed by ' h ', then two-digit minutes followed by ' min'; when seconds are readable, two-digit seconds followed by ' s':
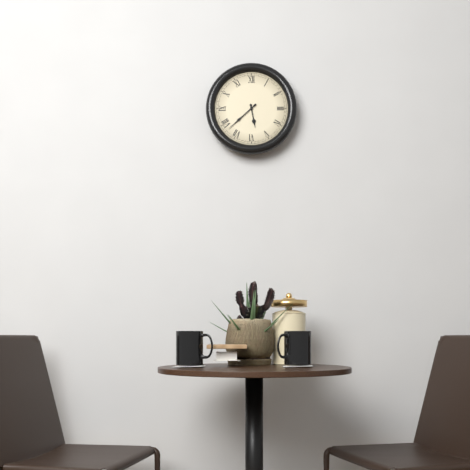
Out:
5 h 38 min
